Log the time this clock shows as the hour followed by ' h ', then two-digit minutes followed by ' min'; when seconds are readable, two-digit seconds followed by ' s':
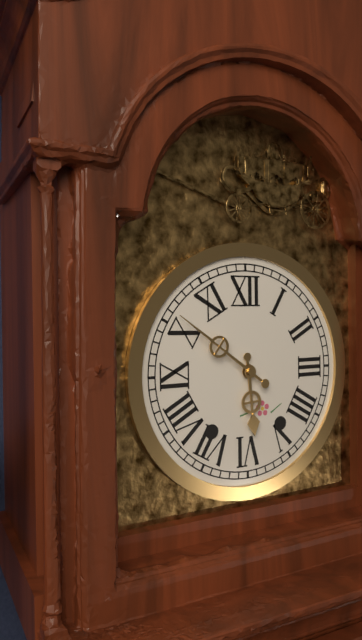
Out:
5 h 51 min
